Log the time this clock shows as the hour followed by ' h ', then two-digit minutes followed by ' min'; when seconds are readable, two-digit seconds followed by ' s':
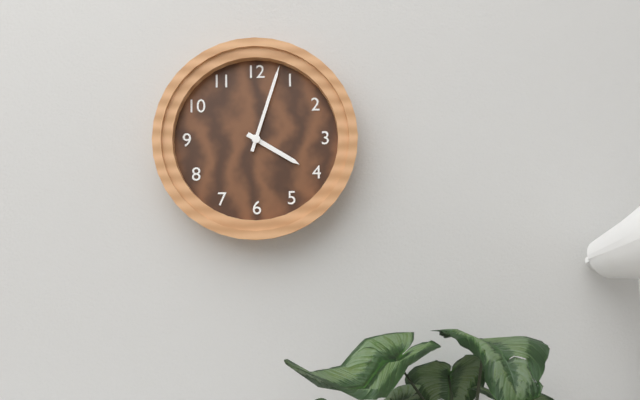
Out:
4 h 03 min
